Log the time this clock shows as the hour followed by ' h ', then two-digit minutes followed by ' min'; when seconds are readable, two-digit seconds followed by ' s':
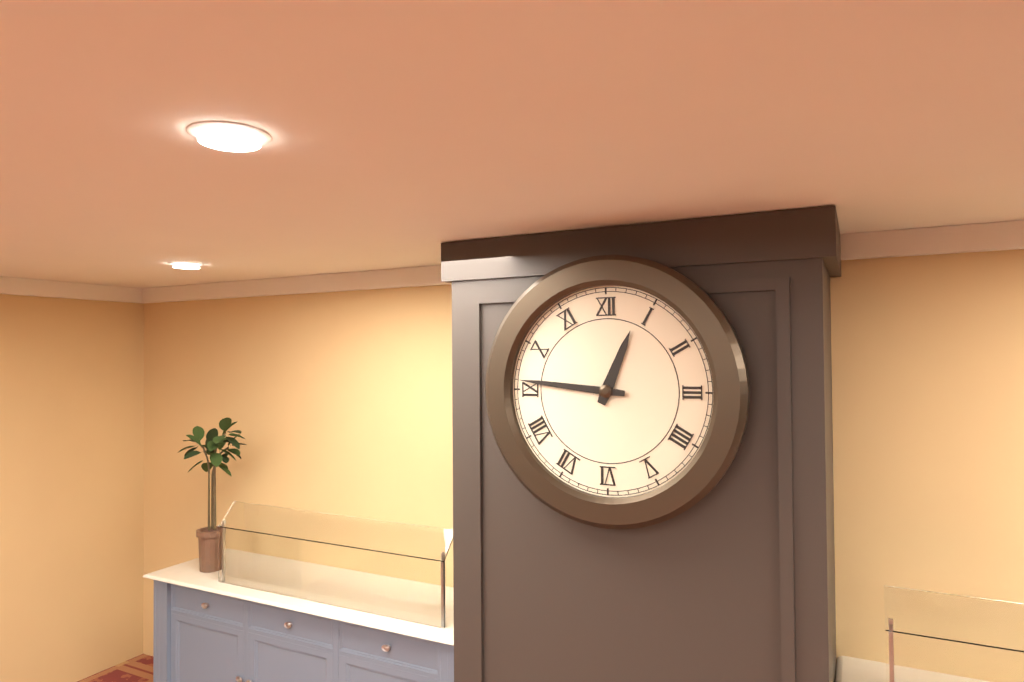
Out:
12 h 46 min
